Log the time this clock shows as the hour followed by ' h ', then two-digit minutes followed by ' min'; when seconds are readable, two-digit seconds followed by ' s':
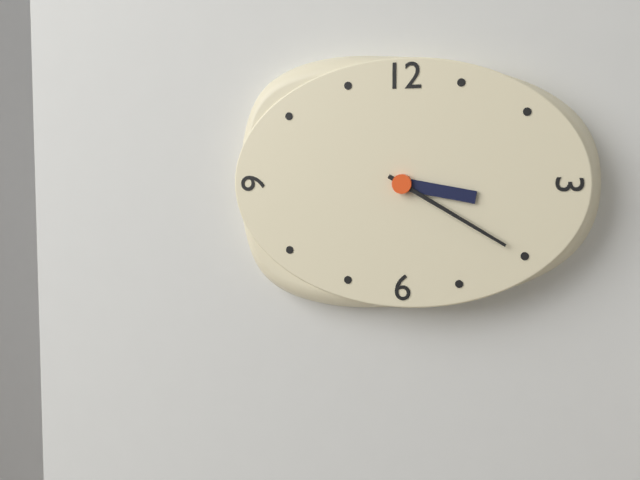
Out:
3 h 20 min
